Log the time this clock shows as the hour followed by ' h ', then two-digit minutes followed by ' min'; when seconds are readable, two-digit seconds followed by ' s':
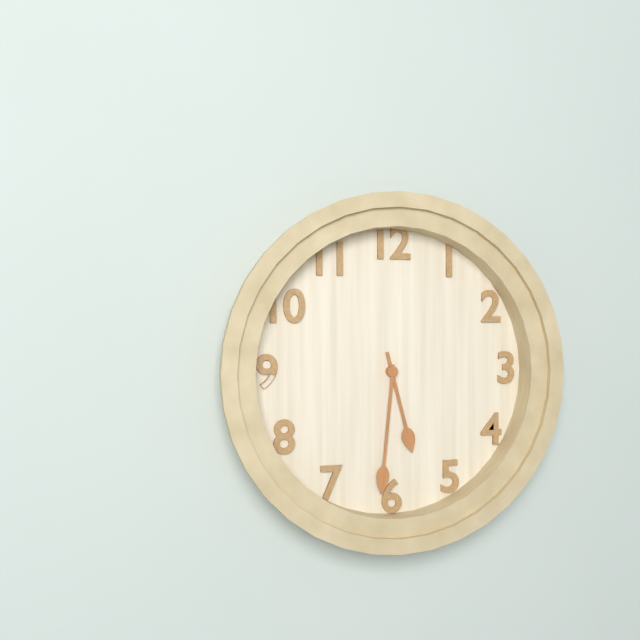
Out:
5 h 31 min
